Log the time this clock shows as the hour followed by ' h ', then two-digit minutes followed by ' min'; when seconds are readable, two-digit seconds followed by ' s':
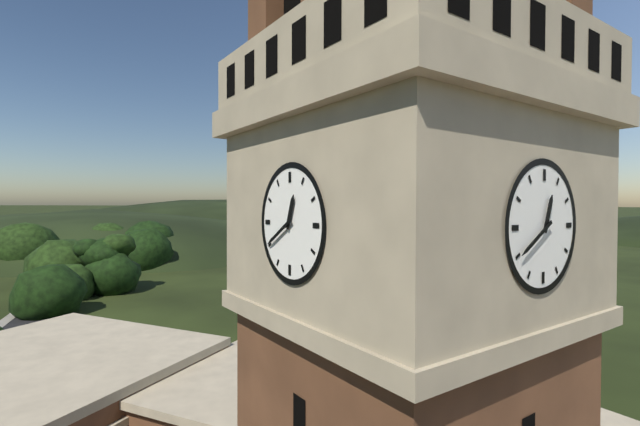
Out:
12 h 40 min
